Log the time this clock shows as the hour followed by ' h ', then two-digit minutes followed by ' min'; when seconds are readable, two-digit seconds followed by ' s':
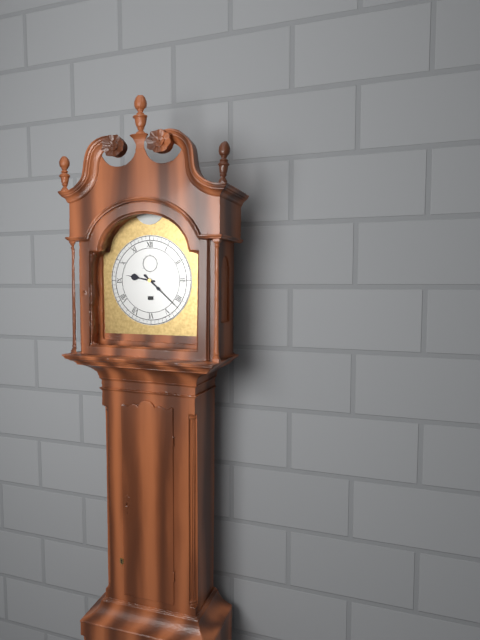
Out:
9 h 22 min
